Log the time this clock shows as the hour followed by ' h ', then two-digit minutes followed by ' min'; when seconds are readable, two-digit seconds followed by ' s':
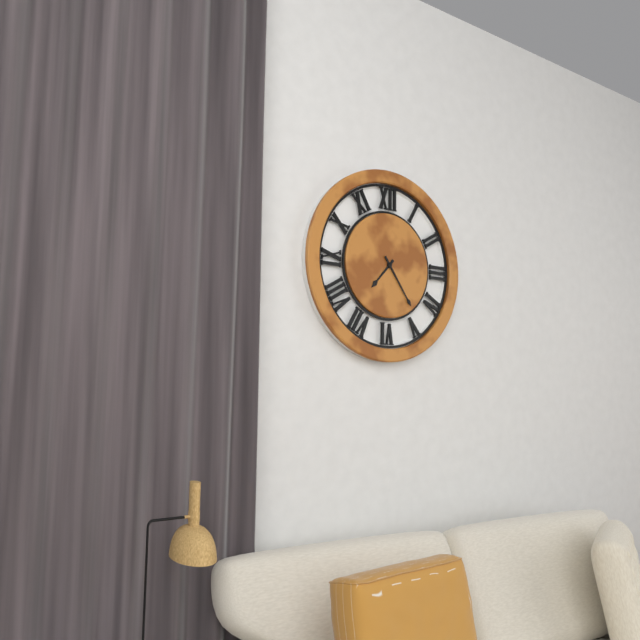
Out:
7 h 24 min
